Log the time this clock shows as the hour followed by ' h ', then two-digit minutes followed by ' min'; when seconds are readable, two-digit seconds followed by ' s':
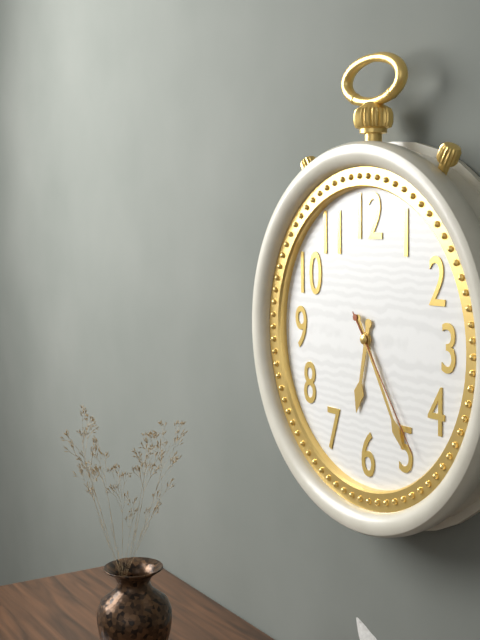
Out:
6 h 25 min 24 s
